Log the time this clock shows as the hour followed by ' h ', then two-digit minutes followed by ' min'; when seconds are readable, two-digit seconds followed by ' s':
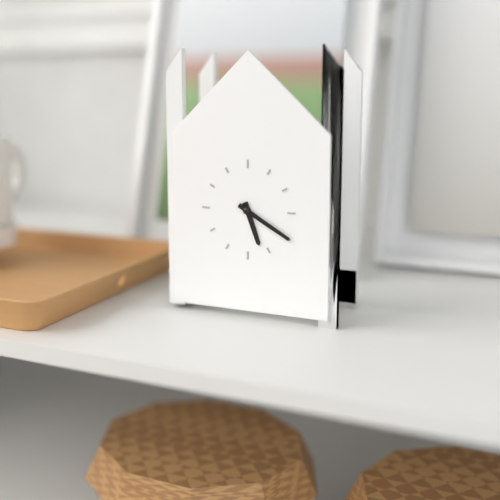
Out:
5 h 20 min
